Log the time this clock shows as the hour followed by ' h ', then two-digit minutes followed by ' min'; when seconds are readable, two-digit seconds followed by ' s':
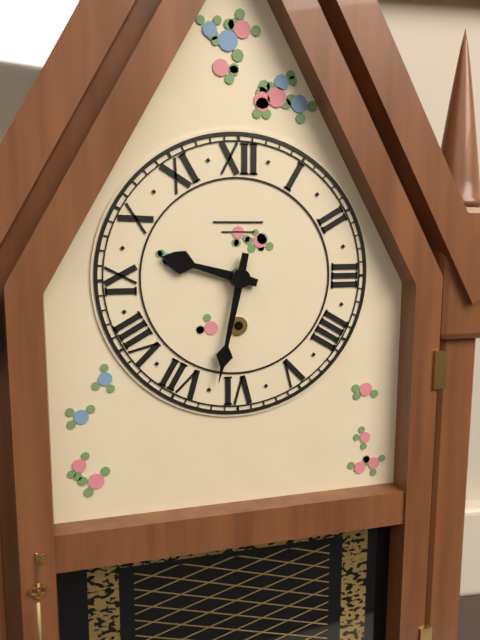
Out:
9 h 32 min
